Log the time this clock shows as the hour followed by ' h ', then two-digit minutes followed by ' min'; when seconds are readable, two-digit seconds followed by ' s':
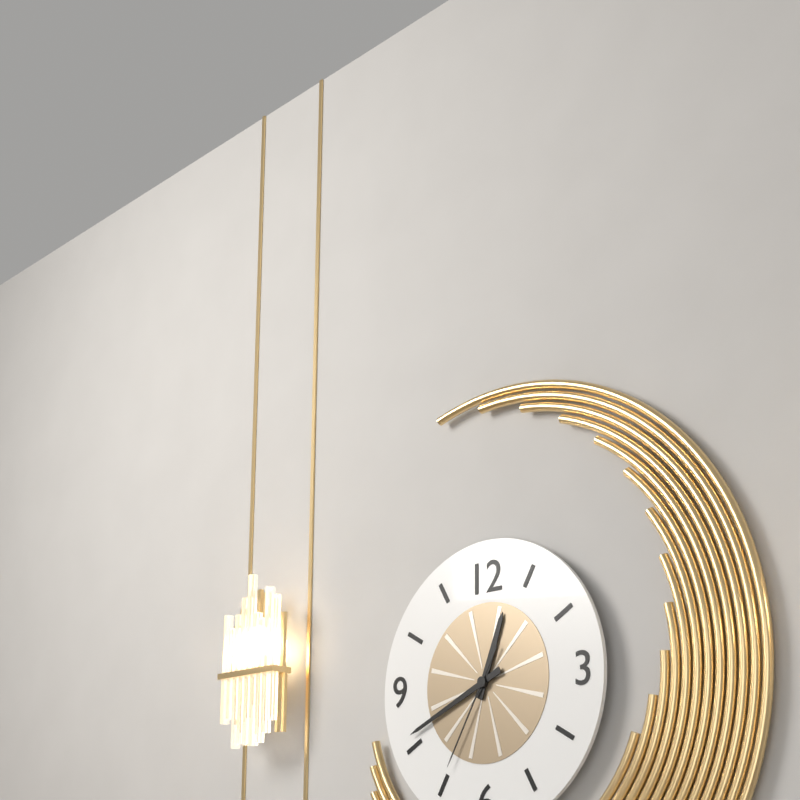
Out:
12 h 41 min 35 s
